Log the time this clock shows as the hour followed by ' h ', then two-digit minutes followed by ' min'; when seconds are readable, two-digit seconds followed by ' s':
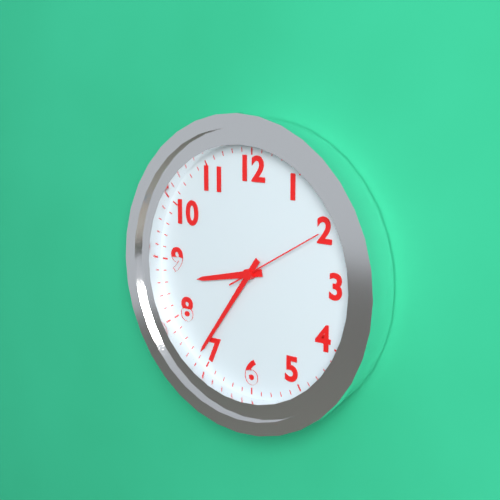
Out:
8 h 36 min 10 s
